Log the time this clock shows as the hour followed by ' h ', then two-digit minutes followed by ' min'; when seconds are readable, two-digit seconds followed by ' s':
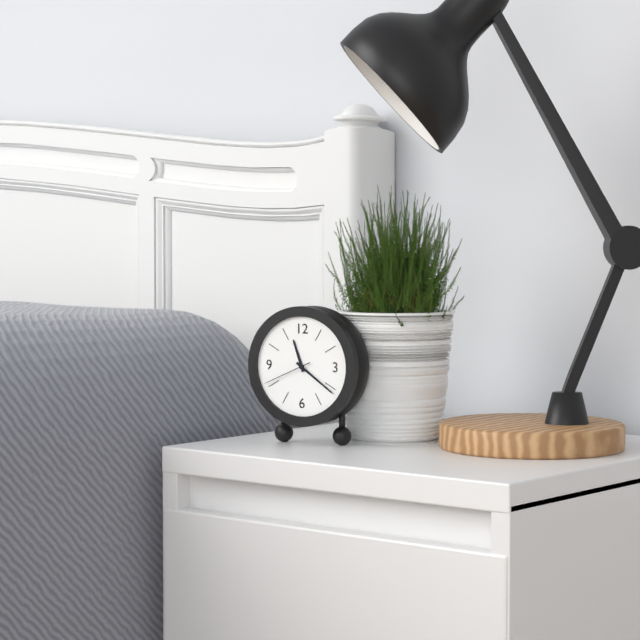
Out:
11 h 21 min 41 s
